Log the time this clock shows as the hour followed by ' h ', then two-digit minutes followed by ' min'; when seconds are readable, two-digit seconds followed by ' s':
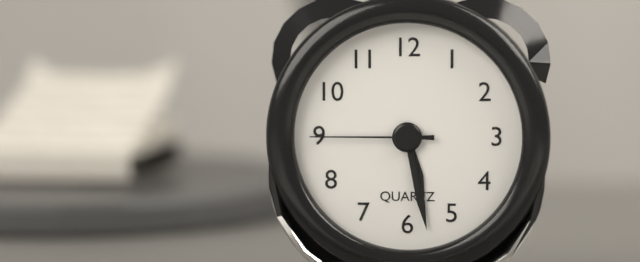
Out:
5 h 28 min 45 s
